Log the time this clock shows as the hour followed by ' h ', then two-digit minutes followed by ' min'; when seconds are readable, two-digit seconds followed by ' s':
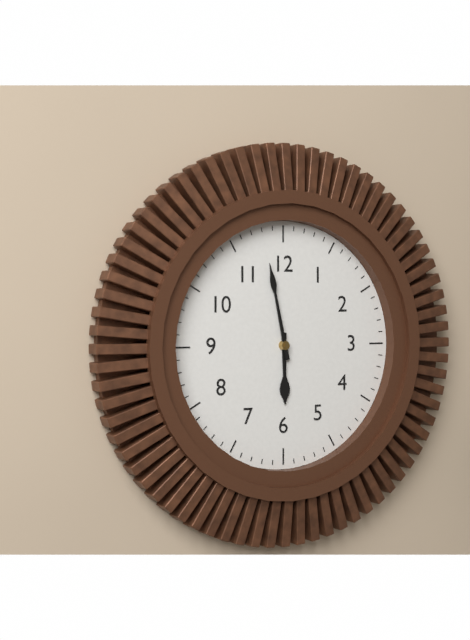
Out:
5 h 58 min
